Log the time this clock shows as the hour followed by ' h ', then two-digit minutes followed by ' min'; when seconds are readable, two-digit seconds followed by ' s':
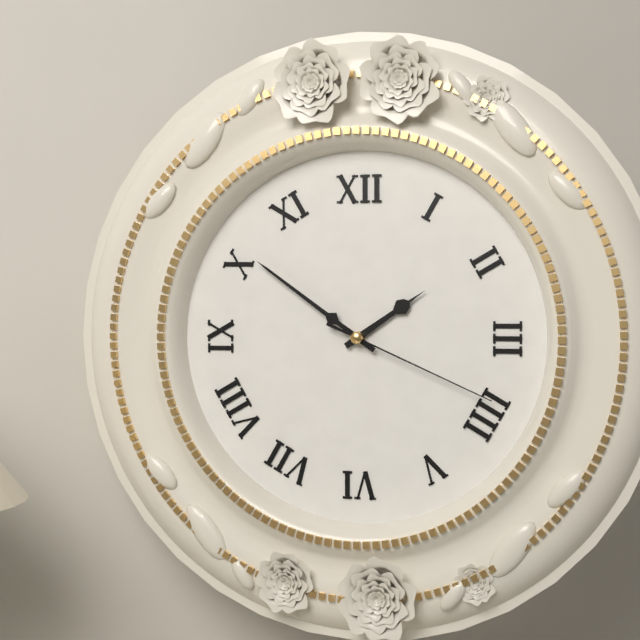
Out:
1 h 51 min 19 s
